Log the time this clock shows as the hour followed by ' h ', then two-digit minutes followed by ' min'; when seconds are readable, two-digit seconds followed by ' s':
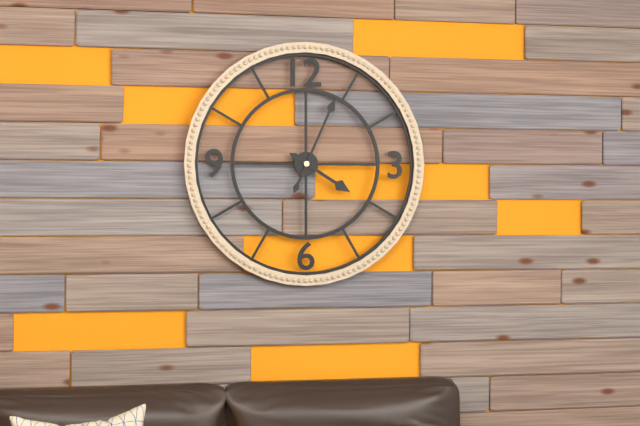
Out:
4 h 04 min
